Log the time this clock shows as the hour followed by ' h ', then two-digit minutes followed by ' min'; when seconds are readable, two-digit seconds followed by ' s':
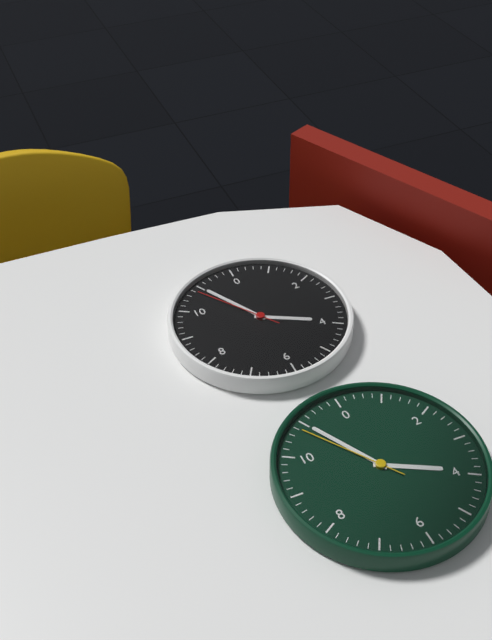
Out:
3 h 55 min 54 s
